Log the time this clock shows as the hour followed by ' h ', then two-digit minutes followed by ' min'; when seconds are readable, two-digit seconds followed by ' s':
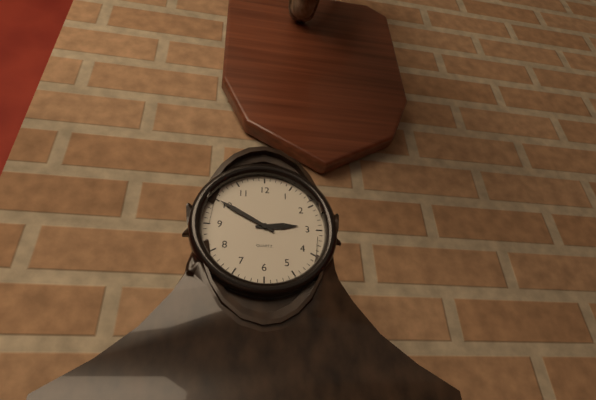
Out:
2 h 50 min
